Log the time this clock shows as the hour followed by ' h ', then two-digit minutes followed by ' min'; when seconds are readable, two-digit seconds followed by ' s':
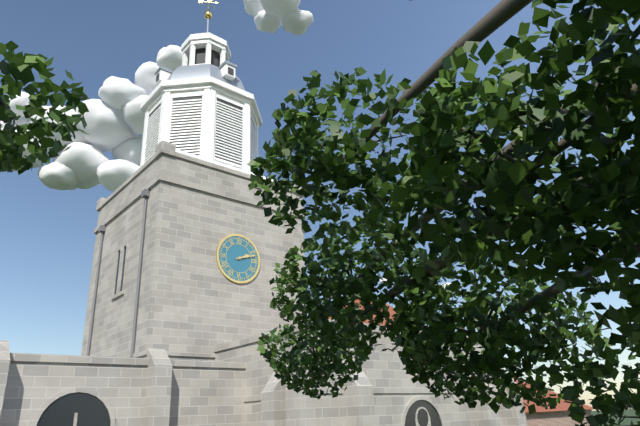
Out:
2 h 12 min
